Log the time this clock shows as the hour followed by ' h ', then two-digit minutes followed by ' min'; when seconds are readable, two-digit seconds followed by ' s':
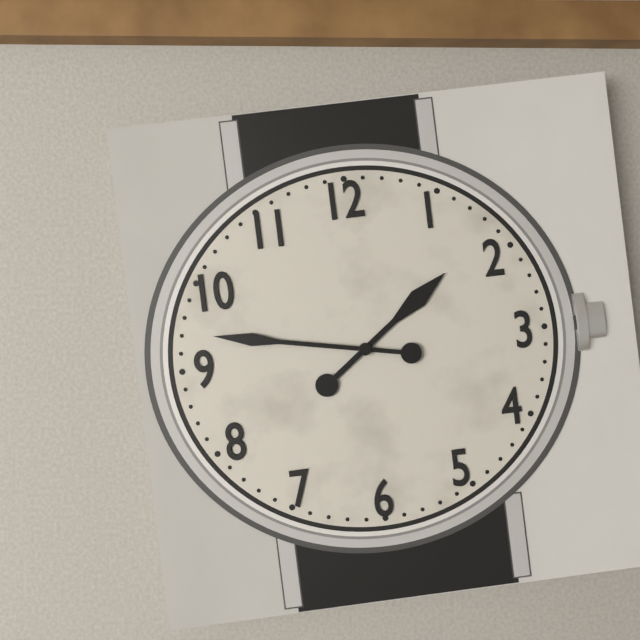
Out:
1 h 47 min
